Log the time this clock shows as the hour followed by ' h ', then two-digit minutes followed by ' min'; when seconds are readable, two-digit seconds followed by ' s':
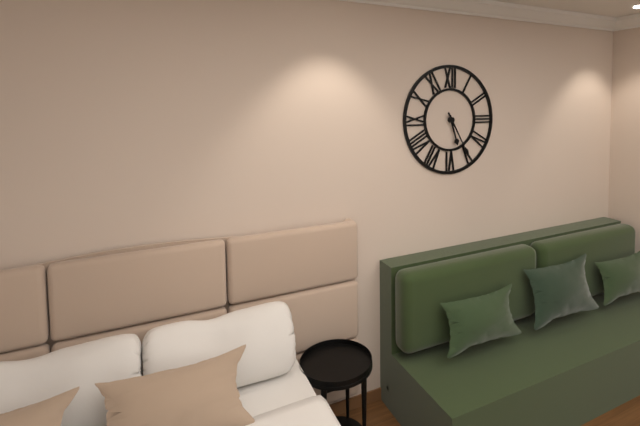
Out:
5 h 25 min
